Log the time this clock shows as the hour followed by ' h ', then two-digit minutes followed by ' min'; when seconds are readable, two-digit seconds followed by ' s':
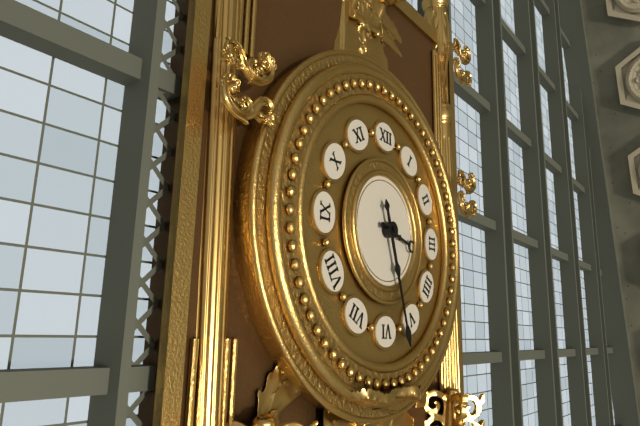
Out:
3 h 27 min
